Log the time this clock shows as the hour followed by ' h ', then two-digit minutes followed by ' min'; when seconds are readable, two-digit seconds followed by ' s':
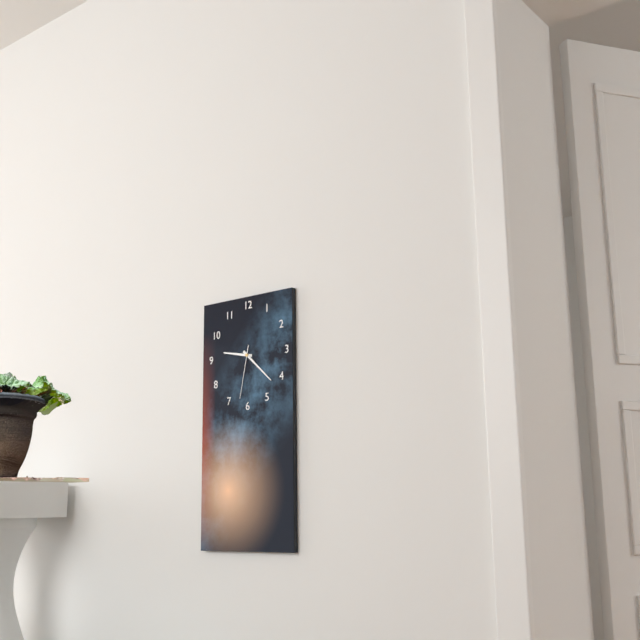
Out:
9 h 22 min 32 s
